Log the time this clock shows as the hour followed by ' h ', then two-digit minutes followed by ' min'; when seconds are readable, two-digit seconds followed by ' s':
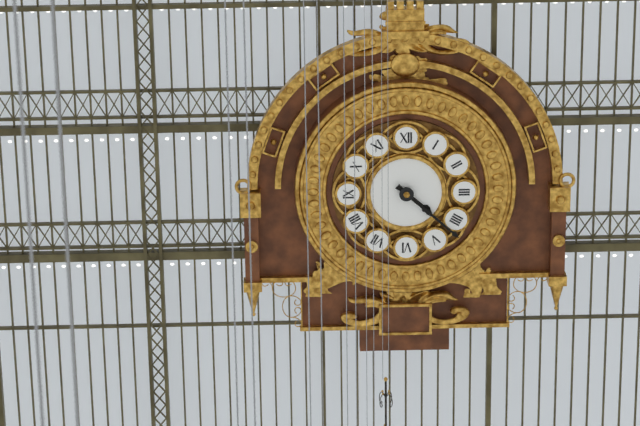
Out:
4 h 22 min
